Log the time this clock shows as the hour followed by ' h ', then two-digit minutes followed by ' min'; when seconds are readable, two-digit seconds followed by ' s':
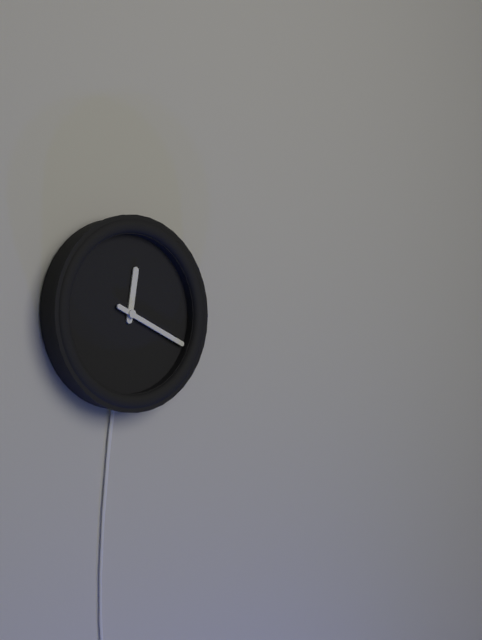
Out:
12 h 19 min
